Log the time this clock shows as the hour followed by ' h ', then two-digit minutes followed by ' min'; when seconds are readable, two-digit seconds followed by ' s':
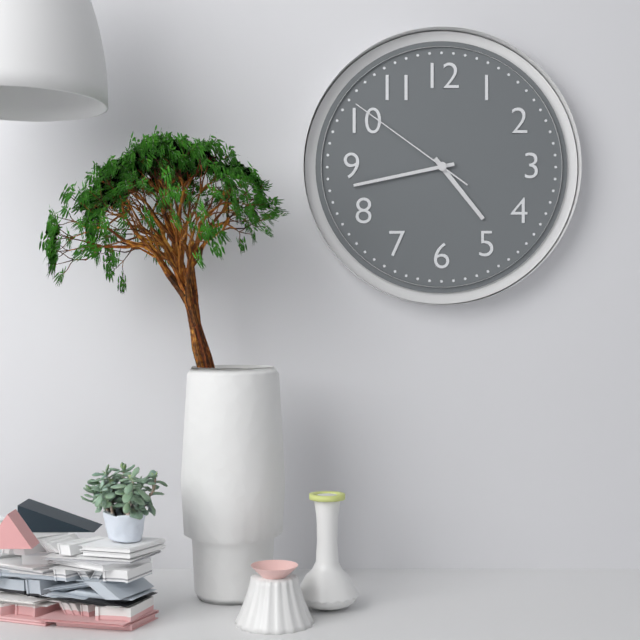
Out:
4 h 43 min 51 s
